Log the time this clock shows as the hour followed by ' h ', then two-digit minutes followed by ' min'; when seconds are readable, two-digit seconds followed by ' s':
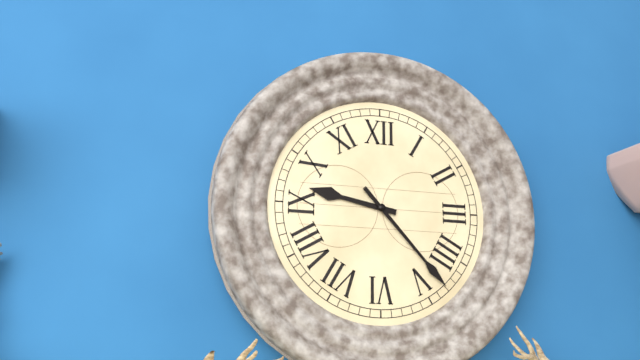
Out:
9 h 23 min
